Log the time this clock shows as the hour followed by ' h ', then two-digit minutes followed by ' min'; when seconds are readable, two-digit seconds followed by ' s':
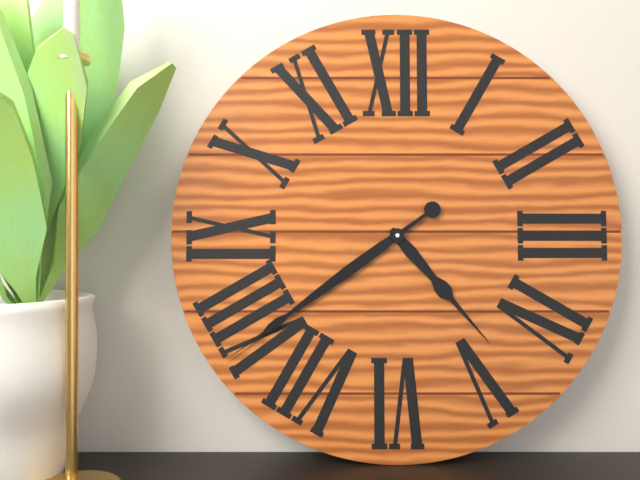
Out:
4 h 39 min
